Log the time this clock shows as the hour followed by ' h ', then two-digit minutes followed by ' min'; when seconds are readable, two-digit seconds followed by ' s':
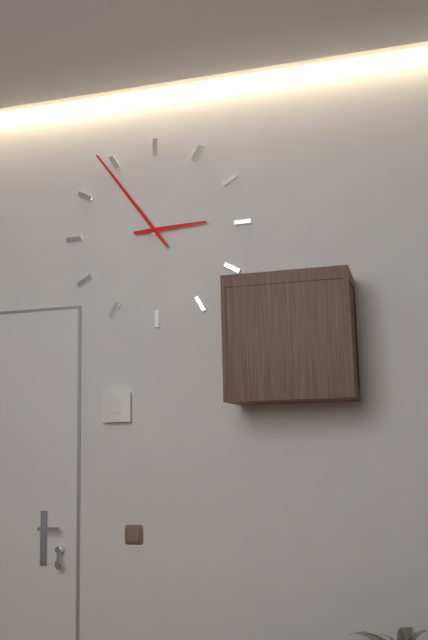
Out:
2 h 54 min
